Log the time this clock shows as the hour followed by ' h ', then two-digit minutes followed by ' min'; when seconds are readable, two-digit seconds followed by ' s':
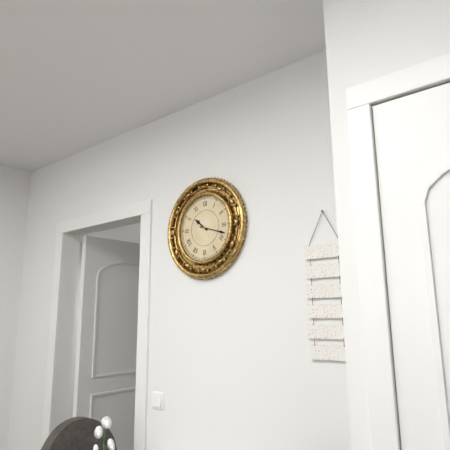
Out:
10 h 18 min
